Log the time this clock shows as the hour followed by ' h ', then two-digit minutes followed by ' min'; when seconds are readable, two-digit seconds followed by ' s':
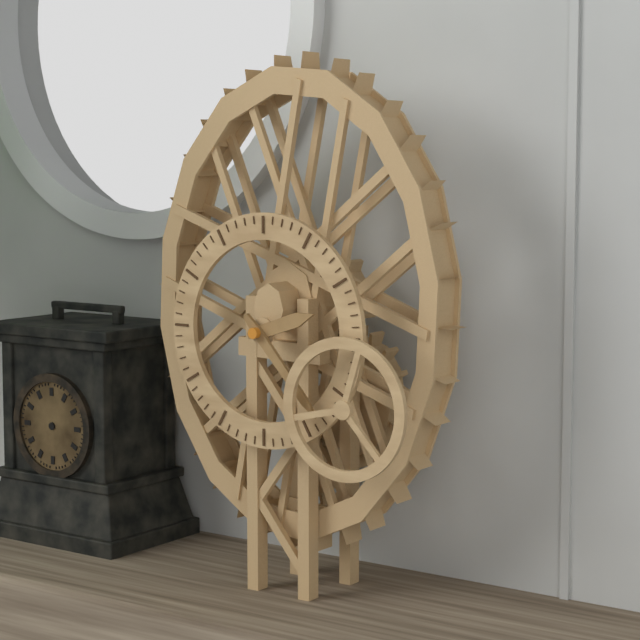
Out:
2 h 23 min
